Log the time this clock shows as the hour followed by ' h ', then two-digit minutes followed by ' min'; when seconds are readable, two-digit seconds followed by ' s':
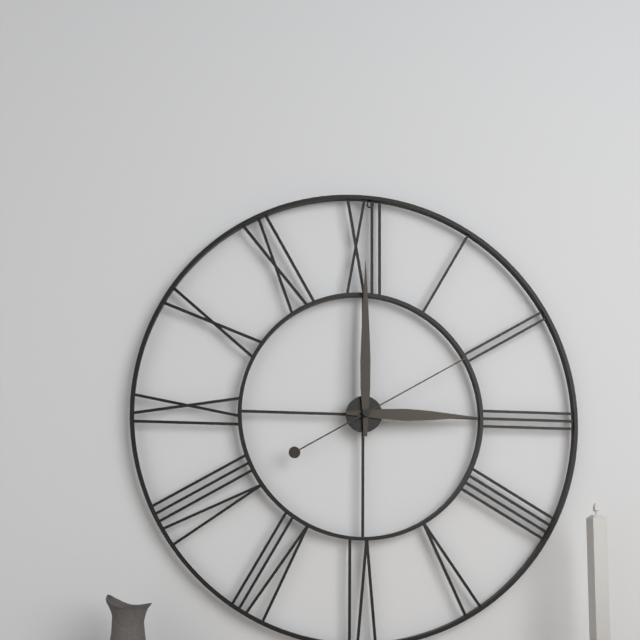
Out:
3 h 00 min 10 s
